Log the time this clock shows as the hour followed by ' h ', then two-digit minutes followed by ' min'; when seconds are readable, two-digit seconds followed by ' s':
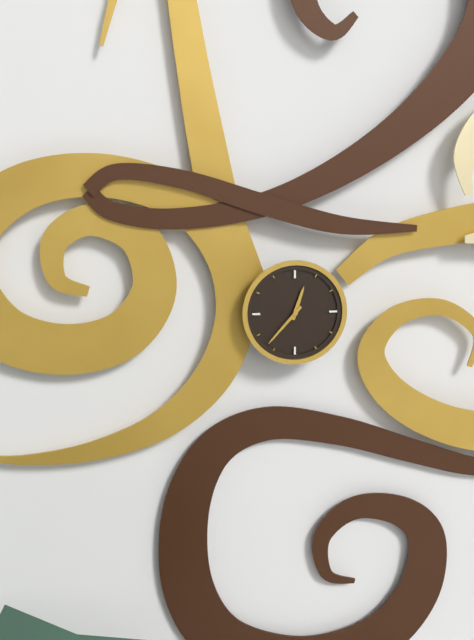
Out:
12 h 37 min
